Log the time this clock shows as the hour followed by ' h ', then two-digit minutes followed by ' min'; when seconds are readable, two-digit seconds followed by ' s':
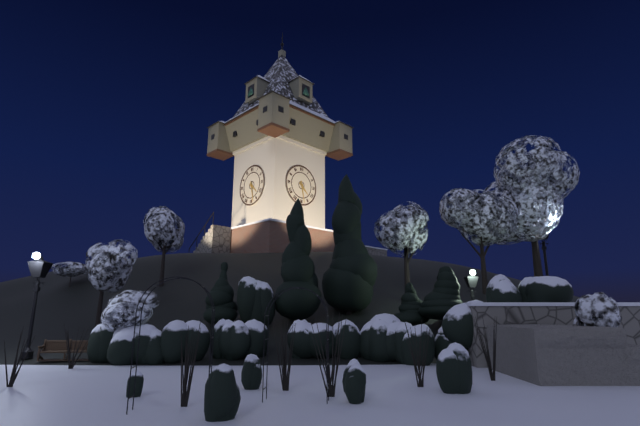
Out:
4 h 28 min
